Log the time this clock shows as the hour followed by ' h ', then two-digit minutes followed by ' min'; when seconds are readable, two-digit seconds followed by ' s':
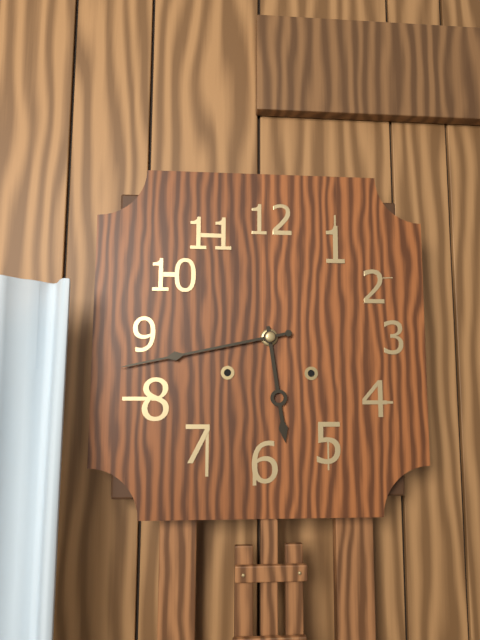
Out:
5 h 43 min
